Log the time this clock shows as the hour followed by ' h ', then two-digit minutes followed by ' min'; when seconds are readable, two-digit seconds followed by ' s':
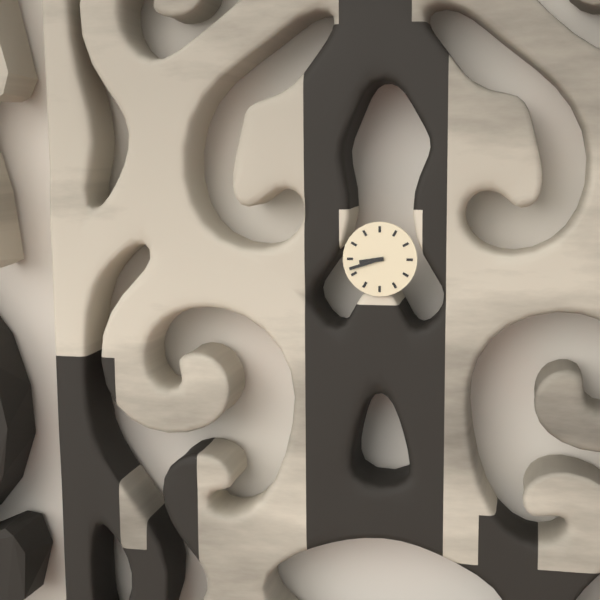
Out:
8 h 42 min
